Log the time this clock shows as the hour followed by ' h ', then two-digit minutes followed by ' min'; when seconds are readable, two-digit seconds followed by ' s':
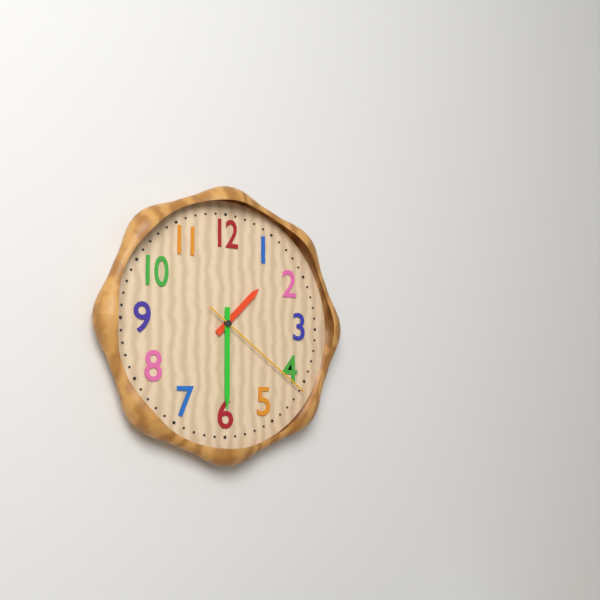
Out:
1 h 30 min 21 s
